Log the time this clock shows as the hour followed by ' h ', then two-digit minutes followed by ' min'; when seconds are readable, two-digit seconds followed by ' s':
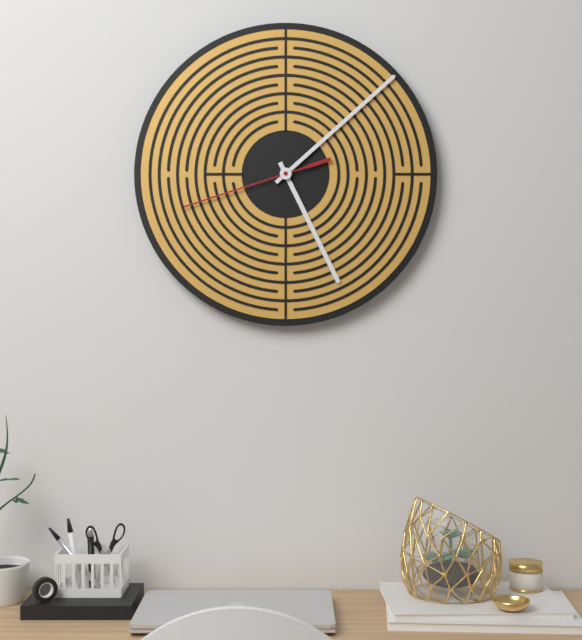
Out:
5 h 08 min 42 s
